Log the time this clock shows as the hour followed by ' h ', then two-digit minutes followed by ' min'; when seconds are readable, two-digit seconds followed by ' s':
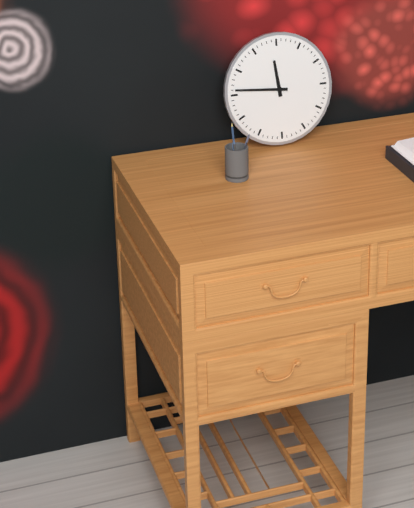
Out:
11 h 46 min
